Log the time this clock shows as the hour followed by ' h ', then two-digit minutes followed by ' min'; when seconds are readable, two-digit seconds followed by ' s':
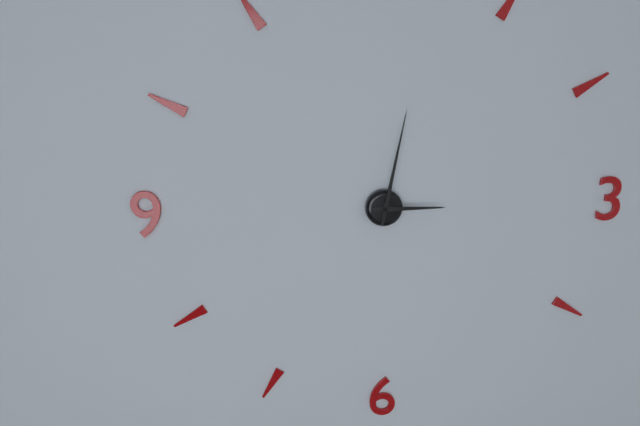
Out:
3 h 02 min
